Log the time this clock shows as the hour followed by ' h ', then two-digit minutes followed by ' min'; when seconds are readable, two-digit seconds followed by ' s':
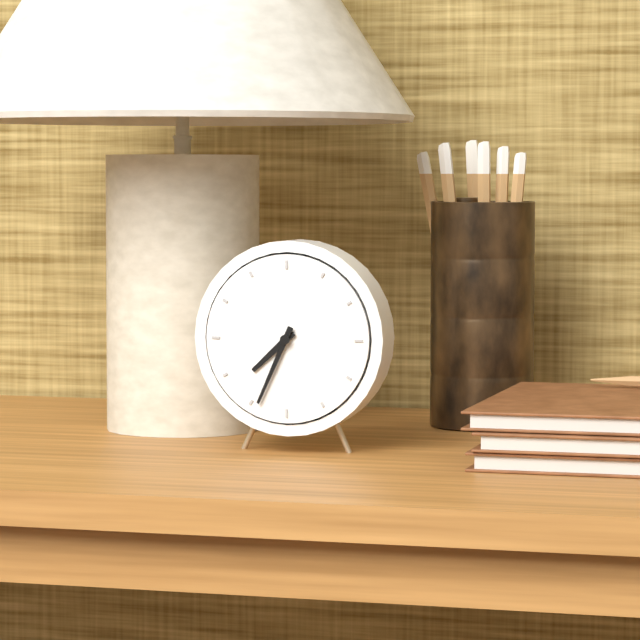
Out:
7 h 34 min
